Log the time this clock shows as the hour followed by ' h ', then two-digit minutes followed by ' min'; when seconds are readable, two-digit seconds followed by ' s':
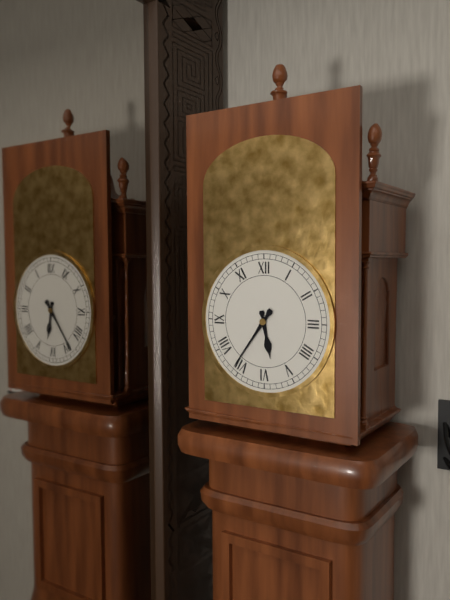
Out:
5 h 36 min
